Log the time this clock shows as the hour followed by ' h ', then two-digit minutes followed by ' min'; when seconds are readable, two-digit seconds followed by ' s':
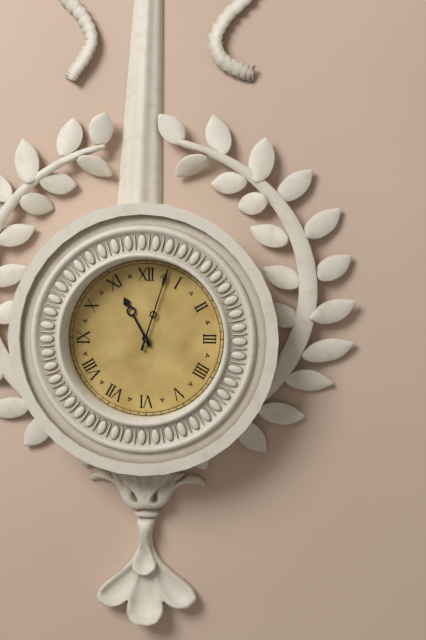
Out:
11 h 03 min
